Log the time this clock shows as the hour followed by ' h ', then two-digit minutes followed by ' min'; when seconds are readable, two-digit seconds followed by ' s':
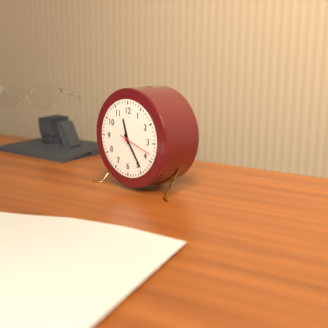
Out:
11 h 24 min
